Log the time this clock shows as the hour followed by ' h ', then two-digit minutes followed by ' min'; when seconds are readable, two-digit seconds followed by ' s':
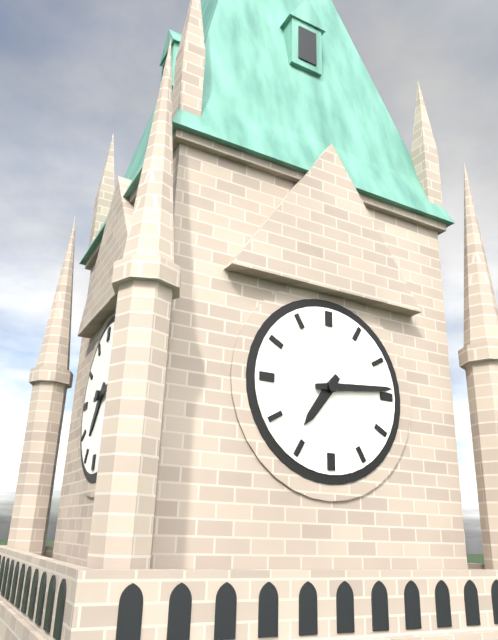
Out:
7 h 14 min
